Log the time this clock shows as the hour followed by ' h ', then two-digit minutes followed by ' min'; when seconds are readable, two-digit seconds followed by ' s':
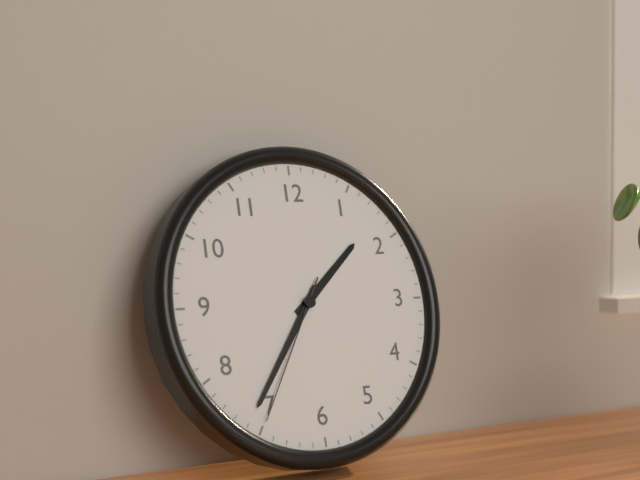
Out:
1 h 36 min 35 s
